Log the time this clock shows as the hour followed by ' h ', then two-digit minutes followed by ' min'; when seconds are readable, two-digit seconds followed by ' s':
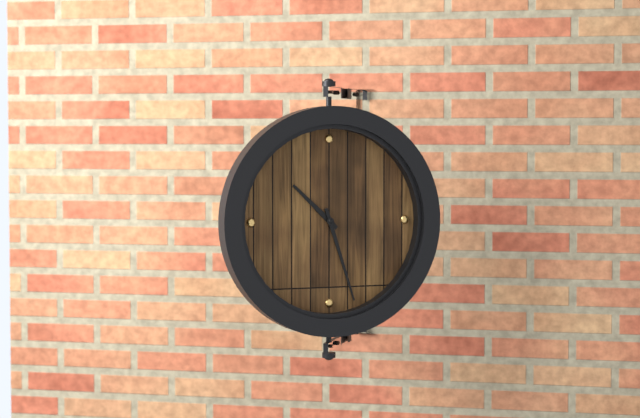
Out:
10 h 27 min
